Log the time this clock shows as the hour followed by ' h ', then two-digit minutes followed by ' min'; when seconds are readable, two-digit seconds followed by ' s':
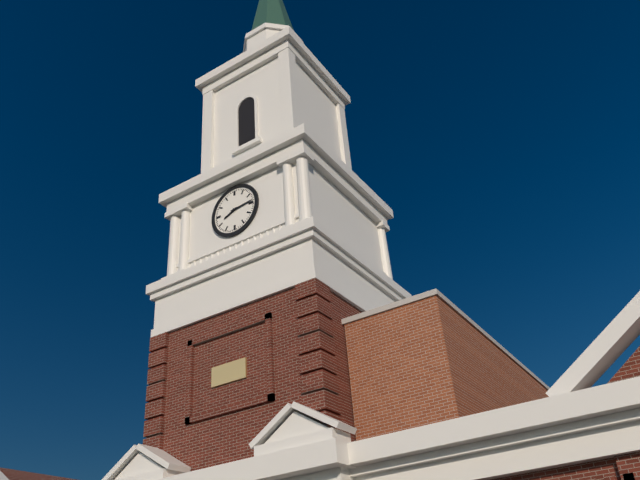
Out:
8 h 14 min
